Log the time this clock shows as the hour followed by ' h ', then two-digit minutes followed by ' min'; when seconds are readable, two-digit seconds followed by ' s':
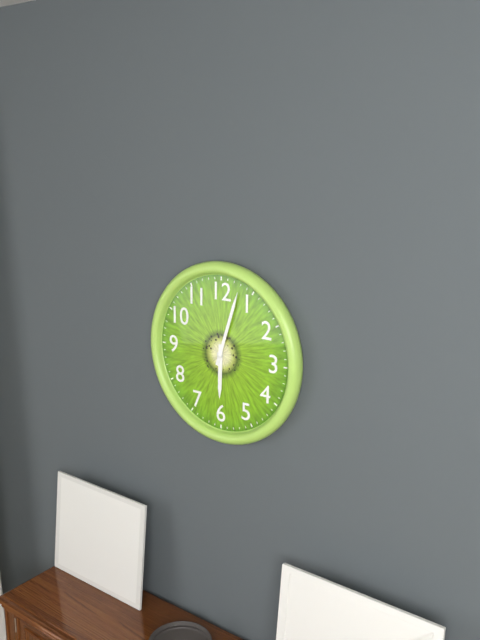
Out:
6 h 03 min
